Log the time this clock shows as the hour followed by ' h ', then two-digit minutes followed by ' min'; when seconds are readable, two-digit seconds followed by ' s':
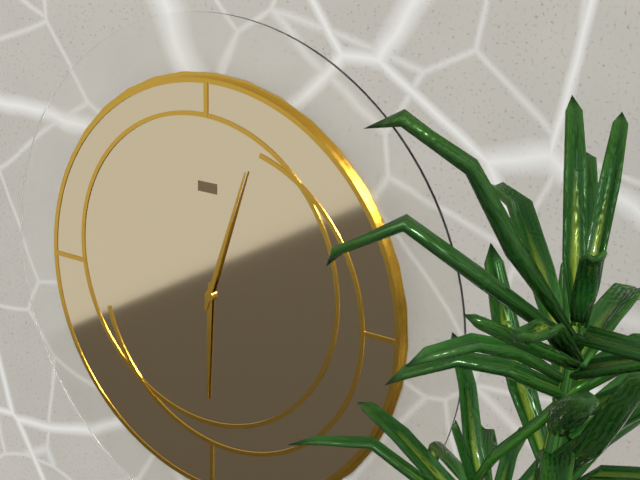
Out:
6 h 03 min
